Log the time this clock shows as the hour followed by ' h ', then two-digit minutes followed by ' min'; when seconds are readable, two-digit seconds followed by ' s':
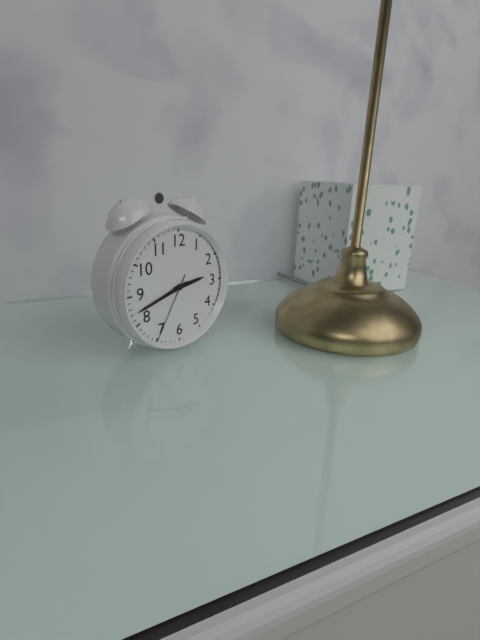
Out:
2 h 42 min 35 s
